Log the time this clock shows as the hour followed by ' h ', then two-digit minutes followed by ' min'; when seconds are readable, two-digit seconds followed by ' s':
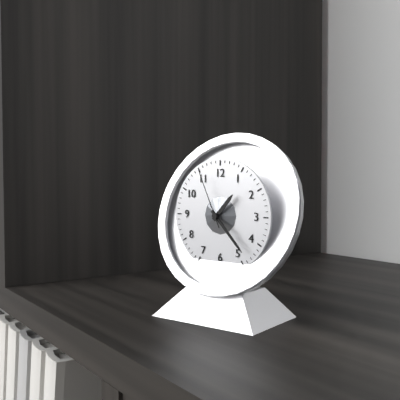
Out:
1 h 23 min 56 s
